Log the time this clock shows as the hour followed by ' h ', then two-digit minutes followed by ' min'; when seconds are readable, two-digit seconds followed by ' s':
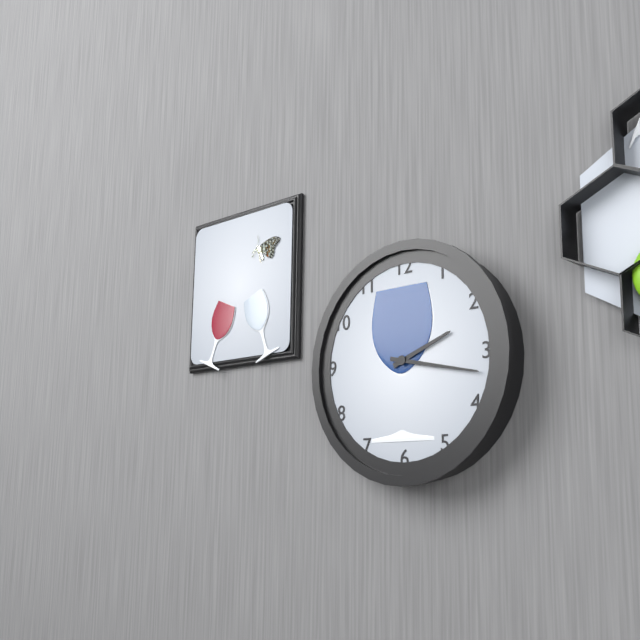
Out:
2 h 17 min
